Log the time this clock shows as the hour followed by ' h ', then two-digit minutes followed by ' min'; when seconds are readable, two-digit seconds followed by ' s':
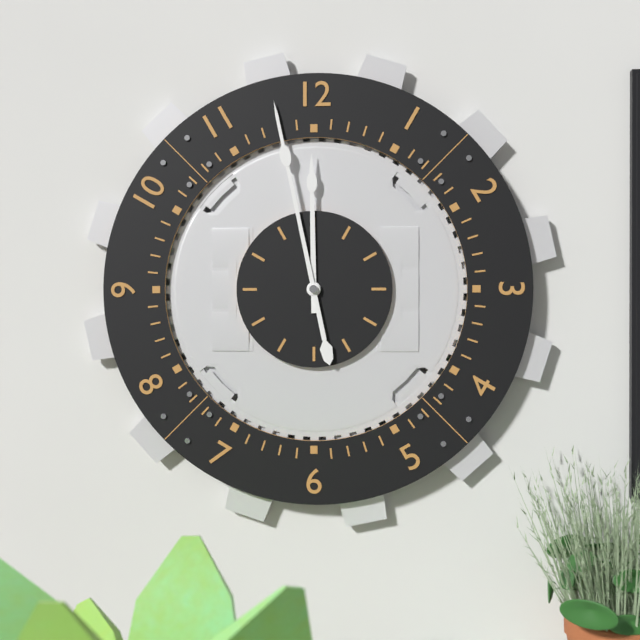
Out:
11 h 58 min
